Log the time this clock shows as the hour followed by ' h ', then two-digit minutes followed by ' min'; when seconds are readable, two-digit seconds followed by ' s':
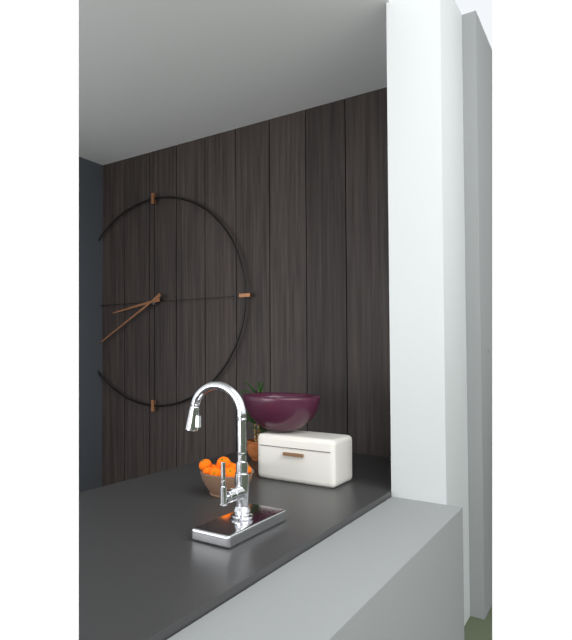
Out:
8 h 40 min
